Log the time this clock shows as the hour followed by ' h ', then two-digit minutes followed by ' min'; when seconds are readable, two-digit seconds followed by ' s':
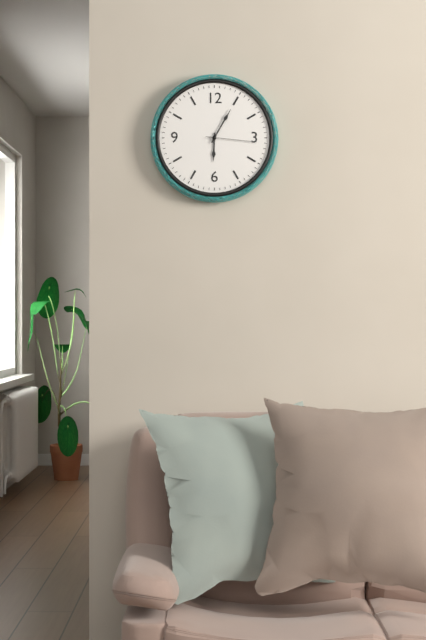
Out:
6 h 05 min 16 s
